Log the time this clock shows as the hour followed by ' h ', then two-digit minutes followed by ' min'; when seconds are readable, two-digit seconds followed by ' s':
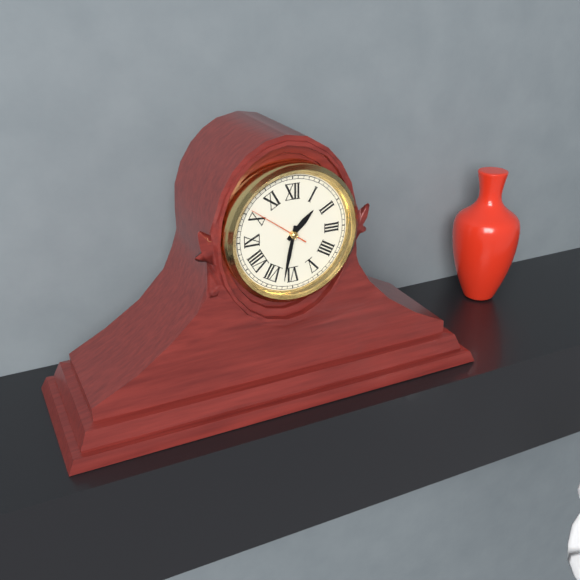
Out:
1 h 32 min 51 s
